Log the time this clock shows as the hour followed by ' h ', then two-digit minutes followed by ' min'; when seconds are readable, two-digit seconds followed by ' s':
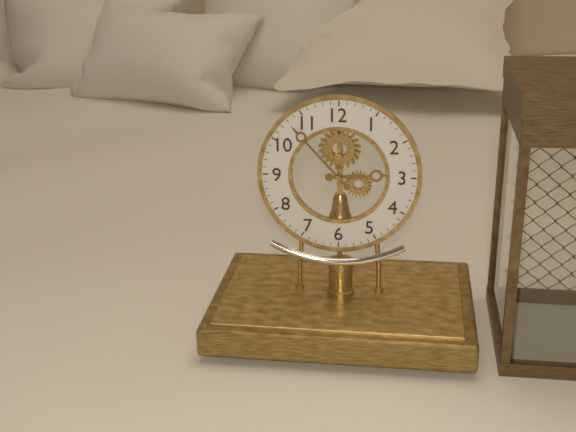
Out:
2 h 53 min
